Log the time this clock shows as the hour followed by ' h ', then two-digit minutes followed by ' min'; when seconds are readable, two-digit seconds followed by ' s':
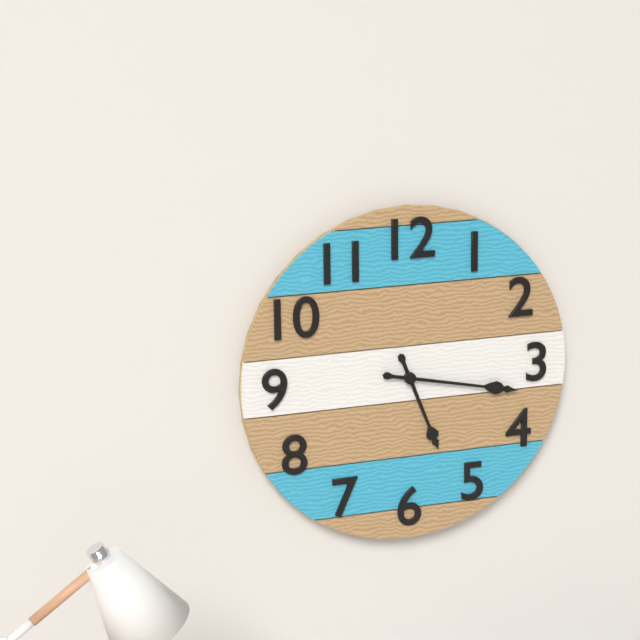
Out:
5 h 17 min
